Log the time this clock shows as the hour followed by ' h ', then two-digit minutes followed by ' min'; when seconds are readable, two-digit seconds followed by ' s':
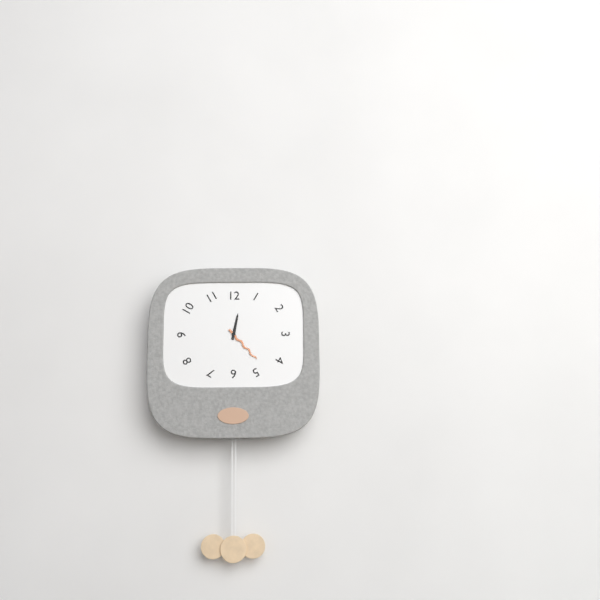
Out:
12 h 23 min
